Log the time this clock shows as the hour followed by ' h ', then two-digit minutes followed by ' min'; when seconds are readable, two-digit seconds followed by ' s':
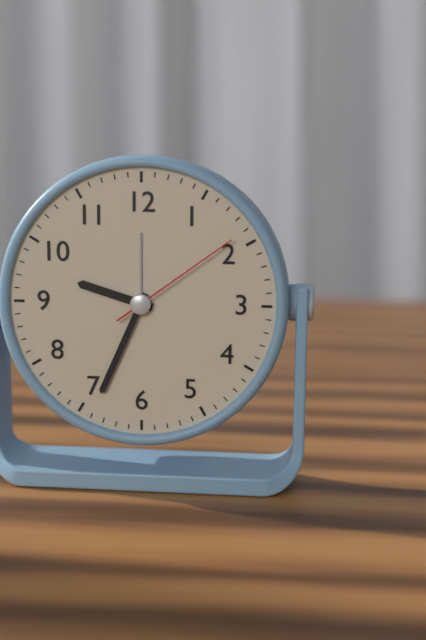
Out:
9 h 34 min 09 s
